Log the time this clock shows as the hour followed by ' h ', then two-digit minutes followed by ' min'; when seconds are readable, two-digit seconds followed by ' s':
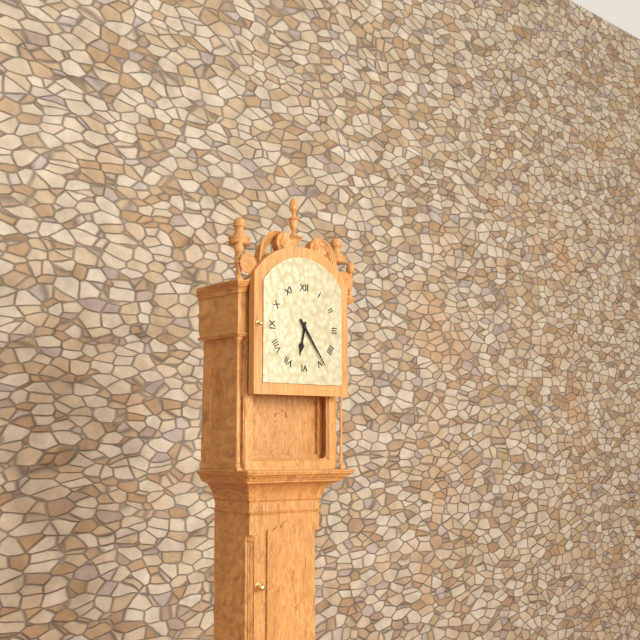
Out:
6 h 24 min
